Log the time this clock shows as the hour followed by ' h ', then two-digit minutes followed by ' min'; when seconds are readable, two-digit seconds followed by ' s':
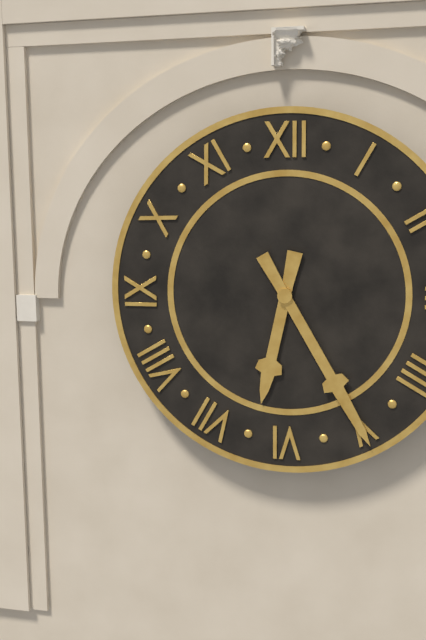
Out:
6 h 25 min
